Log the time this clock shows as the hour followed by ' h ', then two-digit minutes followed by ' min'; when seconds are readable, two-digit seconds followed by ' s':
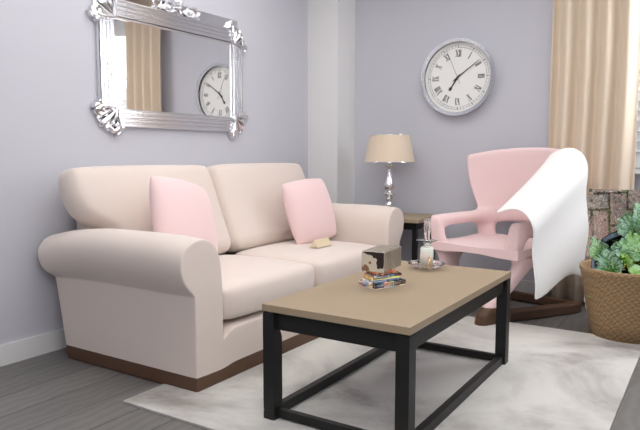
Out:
7 h 09 min
